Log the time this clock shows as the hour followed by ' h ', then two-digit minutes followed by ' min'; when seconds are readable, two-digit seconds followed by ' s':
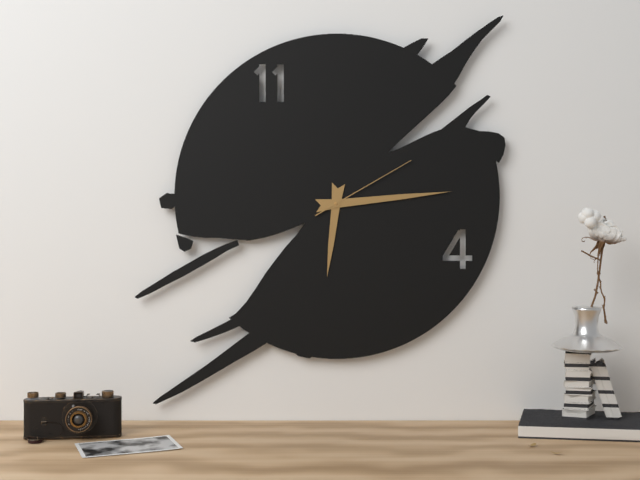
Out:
6 h 14 min 10 s
